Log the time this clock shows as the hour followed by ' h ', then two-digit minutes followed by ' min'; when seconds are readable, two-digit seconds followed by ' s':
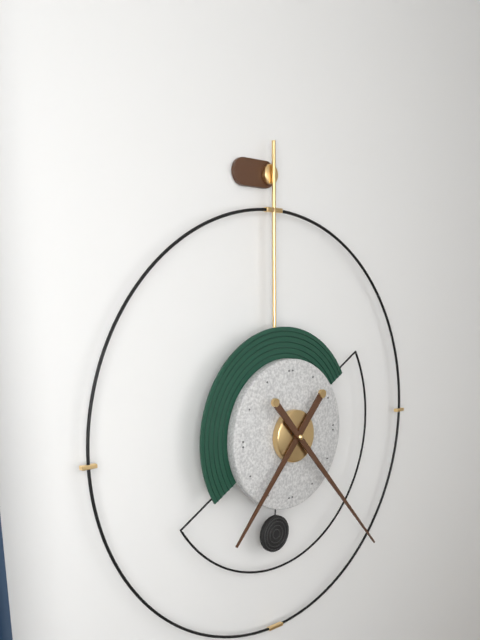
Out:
7 h 23 min
